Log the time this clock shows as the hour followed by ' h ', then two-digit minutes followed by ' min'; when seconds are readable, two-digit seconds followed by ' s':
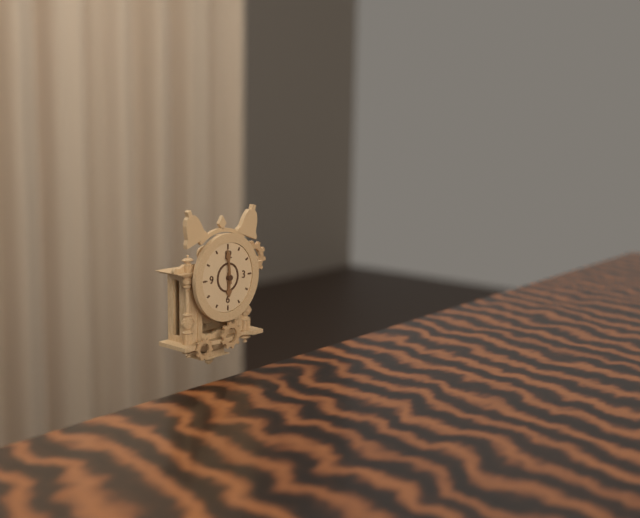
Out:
5 h 59 min
